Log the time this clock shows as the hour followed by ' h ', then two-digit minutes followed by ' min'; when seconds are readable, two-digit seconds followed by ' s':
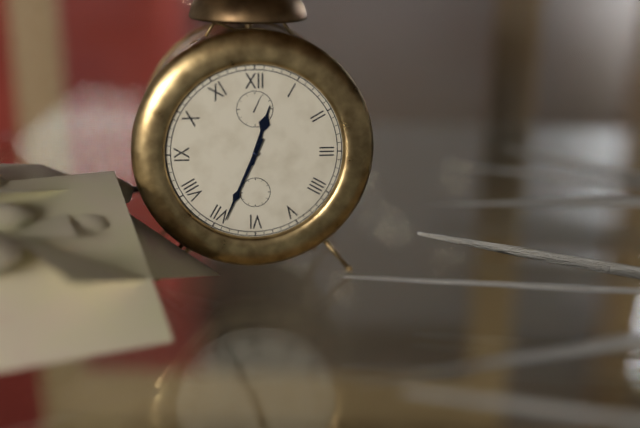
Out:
12 h 34 min
